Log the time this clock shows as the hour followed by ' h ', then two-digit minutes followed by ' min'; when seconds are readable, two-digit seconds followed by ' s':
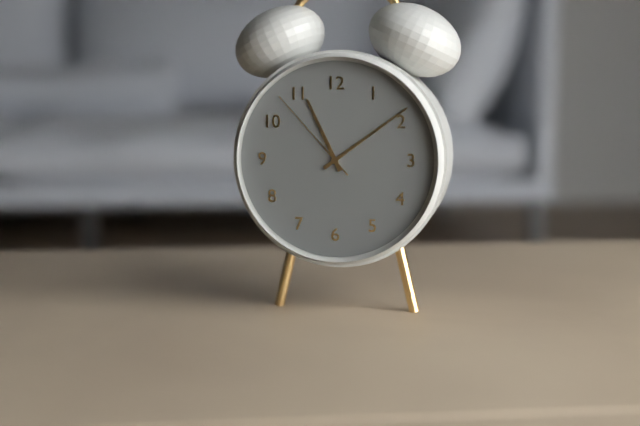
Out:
11 h 09 min 53 s
